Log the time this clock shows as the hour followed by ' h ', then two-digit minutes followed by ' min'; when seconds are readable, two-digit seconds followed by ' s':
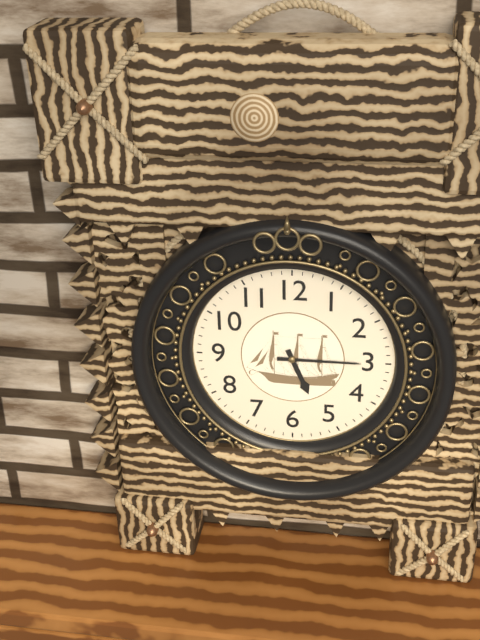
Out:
5 h 15 min
